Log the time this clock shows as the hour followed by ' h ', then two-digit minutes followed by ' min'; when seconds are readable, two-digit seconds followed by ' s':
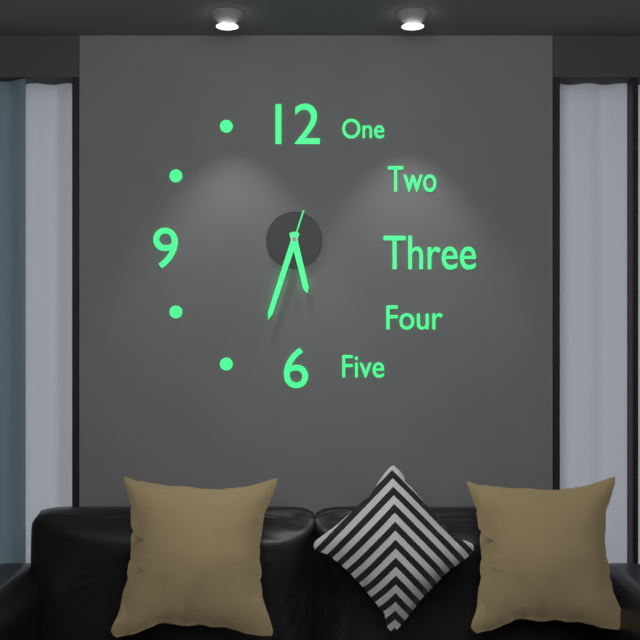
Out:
5 h 33 min 33 s
